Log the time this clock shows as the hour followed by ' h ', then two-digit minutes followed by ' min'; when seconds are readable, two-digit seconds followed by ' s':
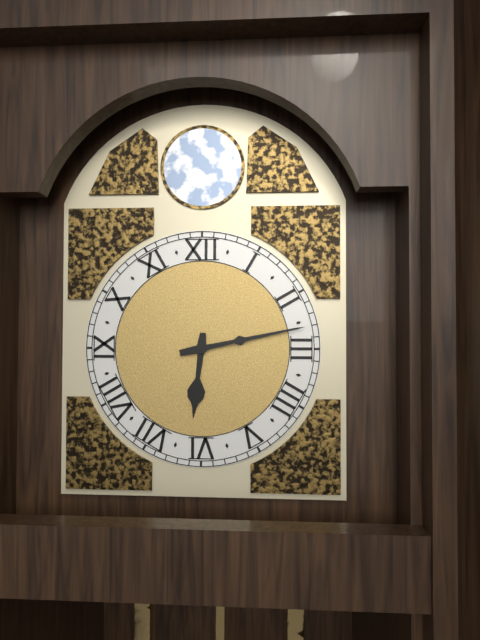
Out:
6 h 13 min
